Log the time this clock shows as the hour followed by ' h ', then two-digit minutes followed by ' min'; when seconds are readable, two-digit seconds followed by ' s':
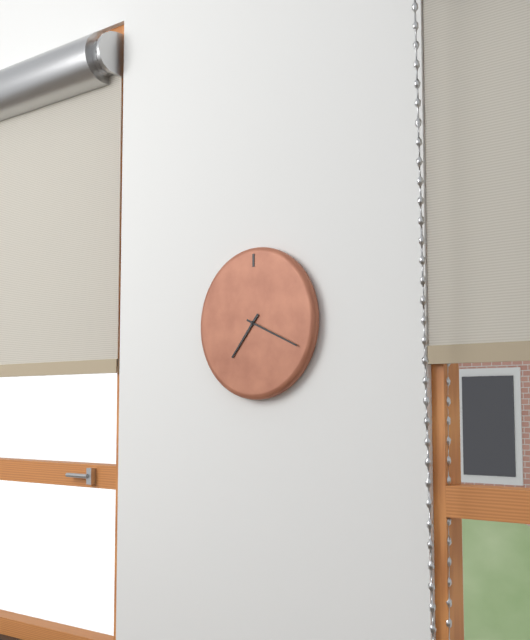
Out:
7 h 19 min
